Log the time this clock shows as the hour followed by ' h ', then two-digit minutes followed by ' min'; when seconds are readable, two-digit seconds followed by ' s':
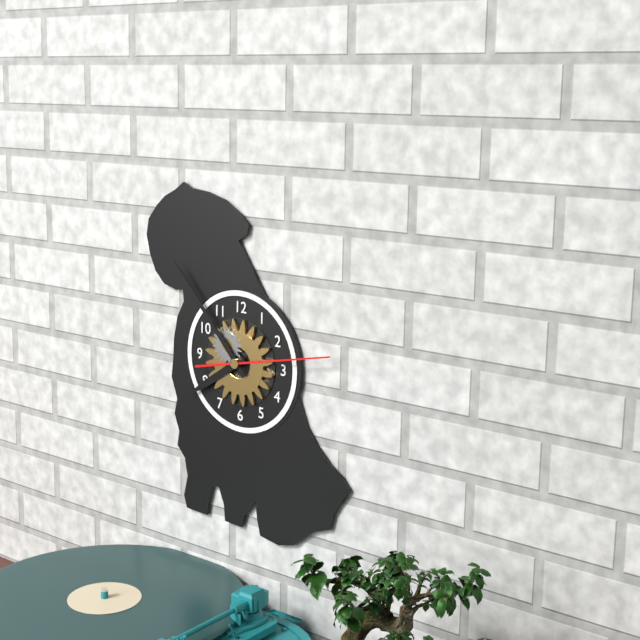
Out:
7 h 53 min 13 s
